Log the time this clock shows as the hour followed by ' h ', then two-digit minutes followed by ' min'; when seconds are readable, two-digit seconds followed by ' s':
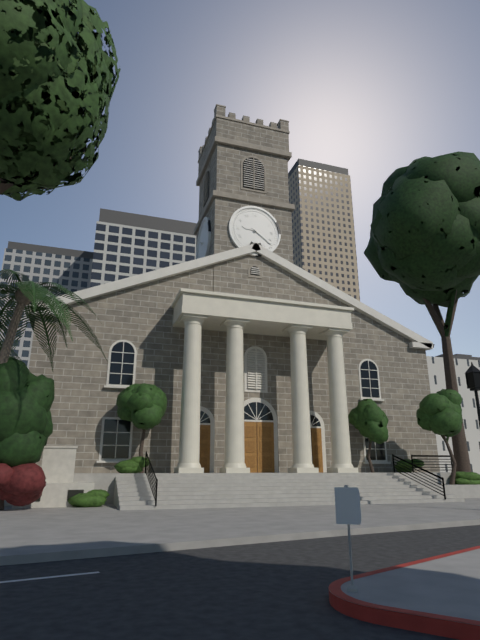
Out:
9 h 21 min
